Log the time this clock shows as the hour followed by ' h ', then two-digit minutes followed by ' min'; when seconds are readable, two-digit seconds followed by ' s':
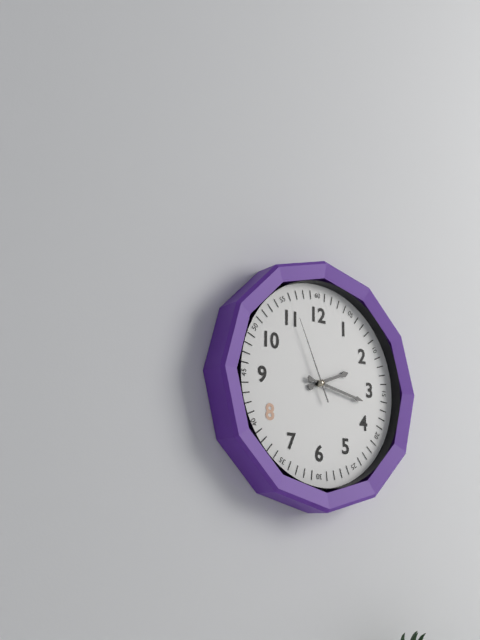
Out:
2 h 17 min 56 s
